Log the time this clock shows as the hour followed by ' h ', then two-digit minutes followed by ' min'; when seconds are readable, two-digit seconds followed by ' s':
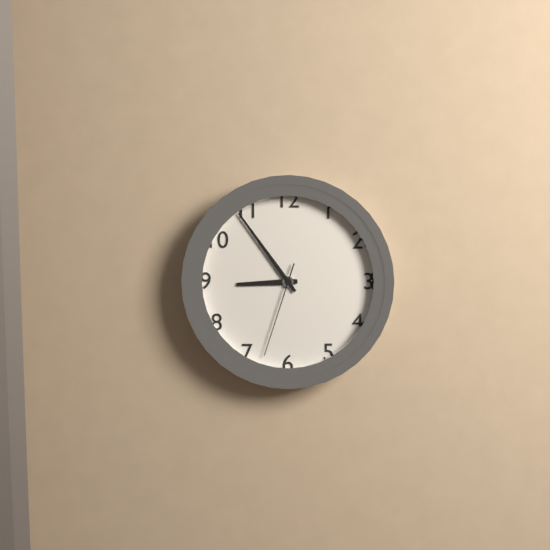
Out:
8 h 54 min 33 s
